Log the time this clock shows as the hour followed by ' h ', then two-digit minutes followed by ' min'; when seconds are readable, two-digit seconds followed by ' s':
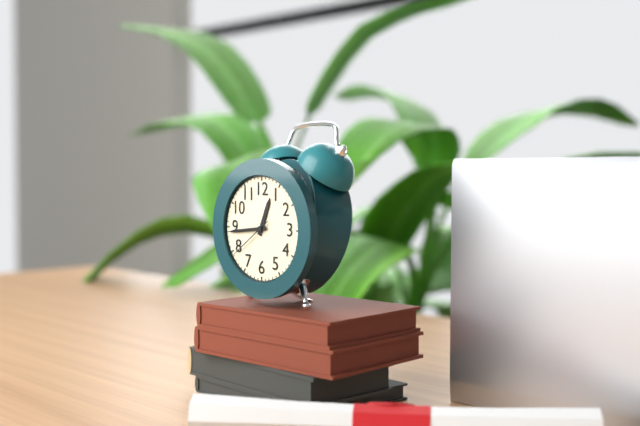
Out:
12 h 44 min 39 s
